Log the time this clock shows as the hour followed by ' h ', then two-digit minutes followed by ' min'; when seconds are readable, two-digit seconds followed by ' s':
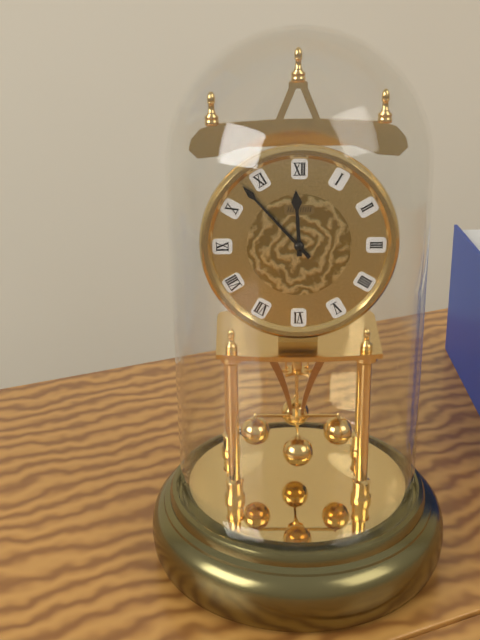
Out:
11 h 53 min
